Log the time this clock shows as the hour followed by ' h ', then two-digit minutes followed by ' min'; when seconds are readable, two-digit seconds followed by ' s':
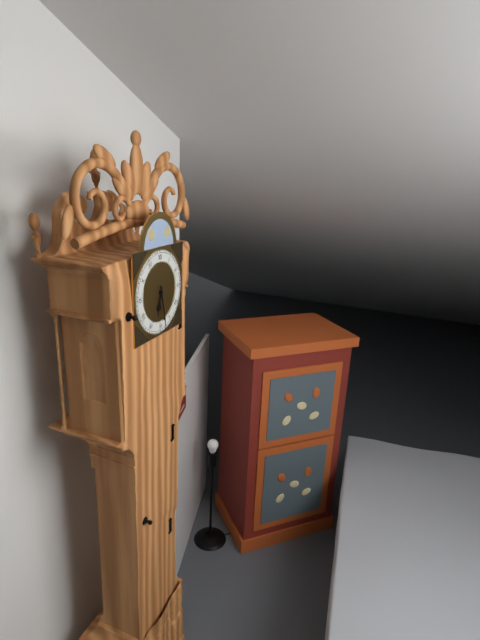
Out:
6 h 28 min
